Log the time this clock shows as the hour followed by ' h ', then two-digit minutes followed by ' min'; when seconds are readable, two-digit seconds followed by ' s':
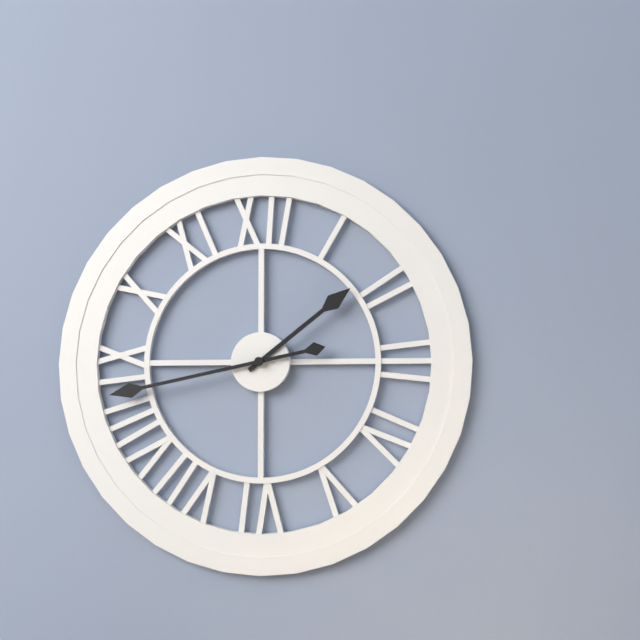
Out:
1 h 43 min
